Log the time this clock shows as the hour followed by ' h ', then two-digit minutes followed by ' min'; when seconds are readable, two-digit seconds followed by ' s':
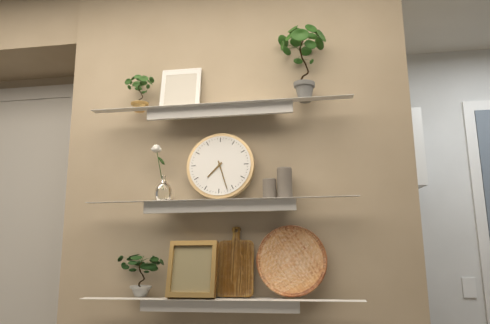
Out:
7 h 27 min
